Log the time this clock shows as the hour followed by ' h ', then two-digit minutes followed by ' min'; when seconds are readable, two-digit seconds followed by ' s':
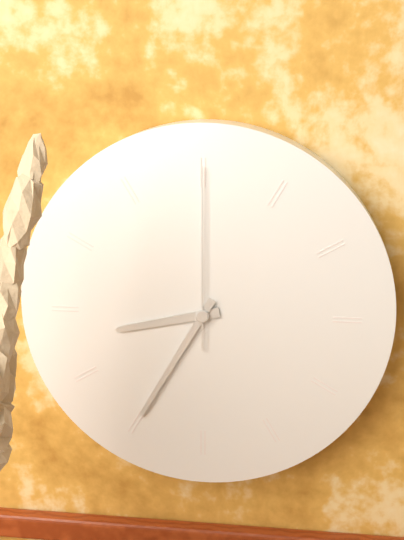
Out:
8 h 35 min 00 s
